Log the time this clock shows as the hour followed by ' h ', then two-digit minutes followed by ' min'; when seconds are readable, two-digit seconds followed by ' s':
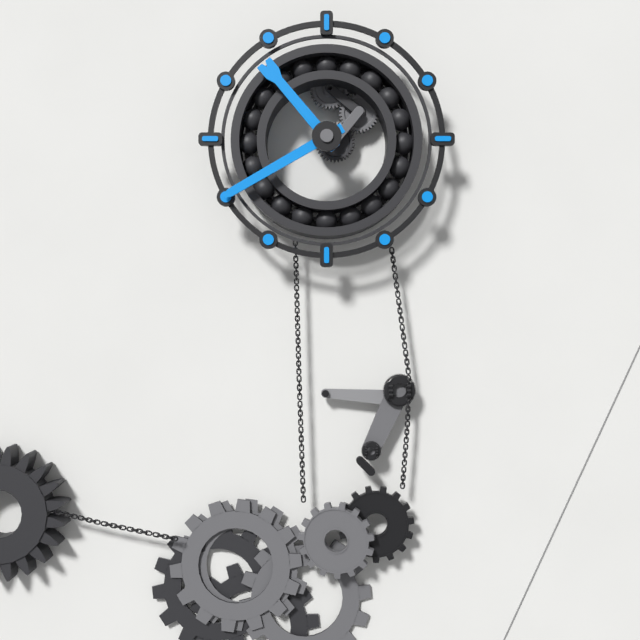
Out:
10 h 40 min
